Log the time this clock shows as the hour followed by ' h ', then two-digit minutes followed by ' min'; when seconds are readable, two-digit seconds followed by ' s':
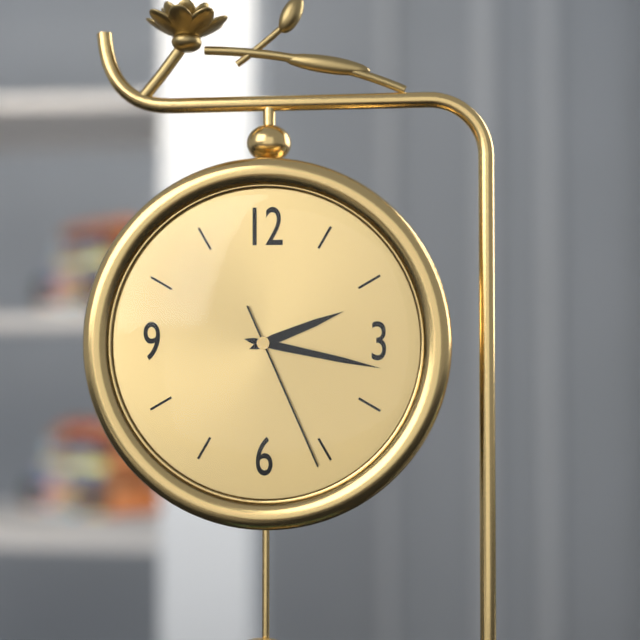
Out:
2 h 17 min 26 s
